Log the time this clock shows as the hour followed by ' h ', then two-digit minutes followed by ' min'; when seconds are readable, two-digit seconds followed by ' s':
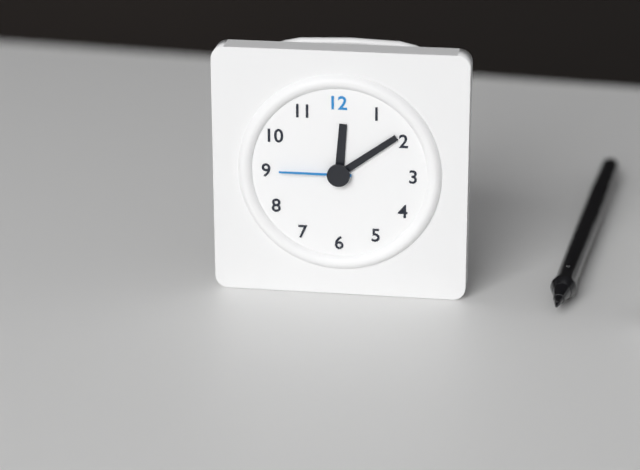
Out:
12 h 09 min 45 s
